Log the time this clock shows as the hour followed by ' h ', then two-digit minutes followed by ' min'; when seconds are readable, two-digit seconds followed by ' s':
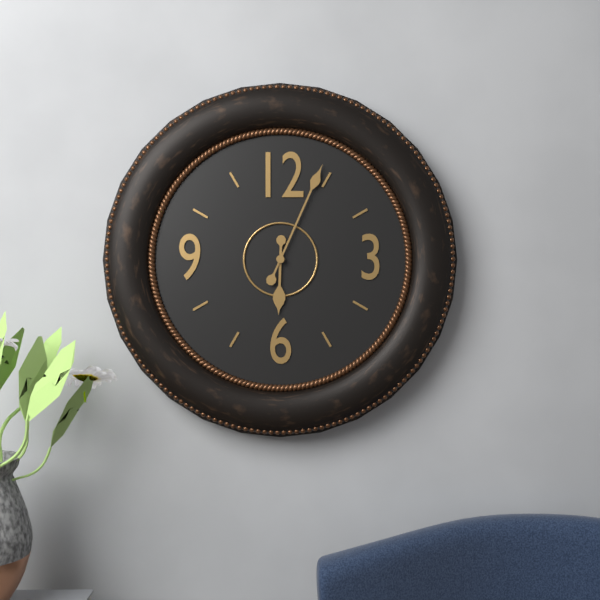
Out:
6 h 04 min
